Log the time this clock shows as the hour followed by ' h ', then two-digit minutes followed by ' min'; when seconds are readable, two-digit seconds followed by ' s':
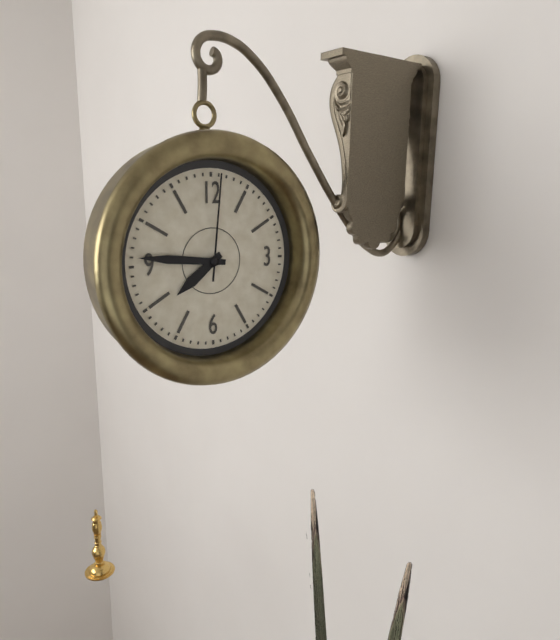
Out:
7 h 46 min 01 s
